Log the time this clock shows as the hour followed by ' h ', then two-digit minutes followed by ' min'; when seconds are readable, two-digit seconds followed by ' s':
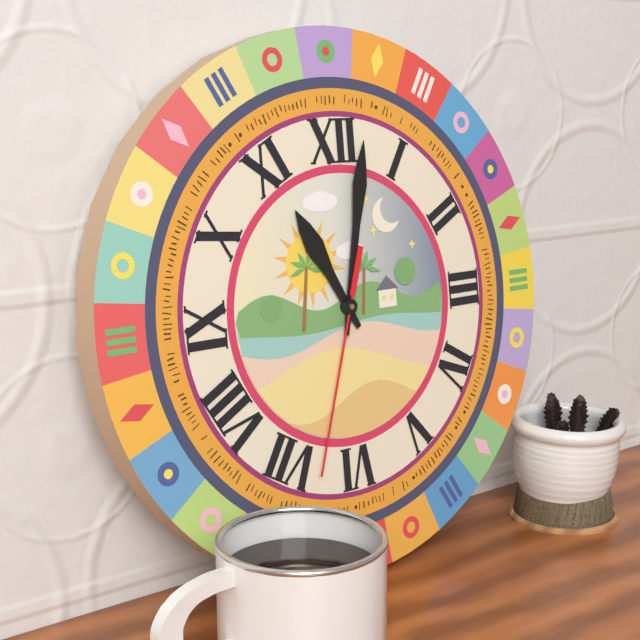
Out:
11 h 02 min 33 s
